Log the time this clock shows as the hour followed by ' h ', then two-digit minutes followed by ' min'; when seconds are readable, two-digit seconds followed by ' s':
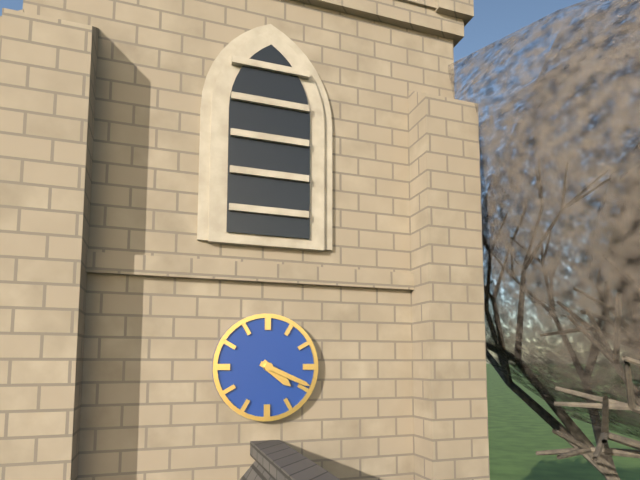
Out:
4 h 19 min
